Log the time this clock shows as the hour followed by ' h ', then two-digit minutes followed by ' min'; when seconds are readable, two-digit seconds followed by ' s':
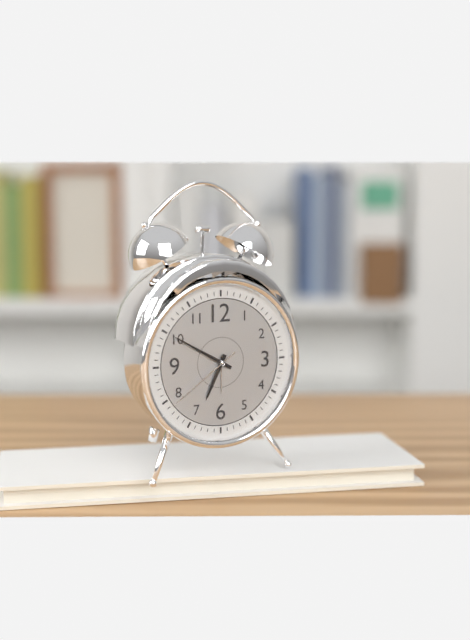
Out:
6 h 50 min 39 s
